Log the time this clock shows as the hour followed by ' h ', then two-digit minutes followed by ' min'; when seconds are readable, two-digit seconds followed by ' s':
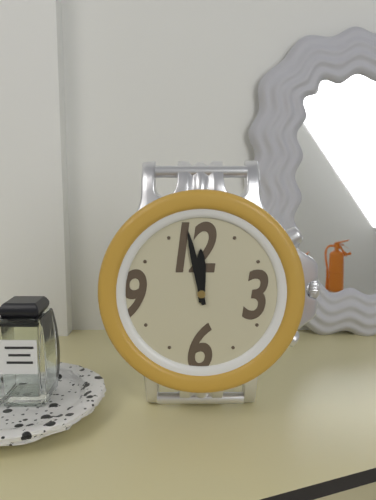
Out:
11 h 58 min
